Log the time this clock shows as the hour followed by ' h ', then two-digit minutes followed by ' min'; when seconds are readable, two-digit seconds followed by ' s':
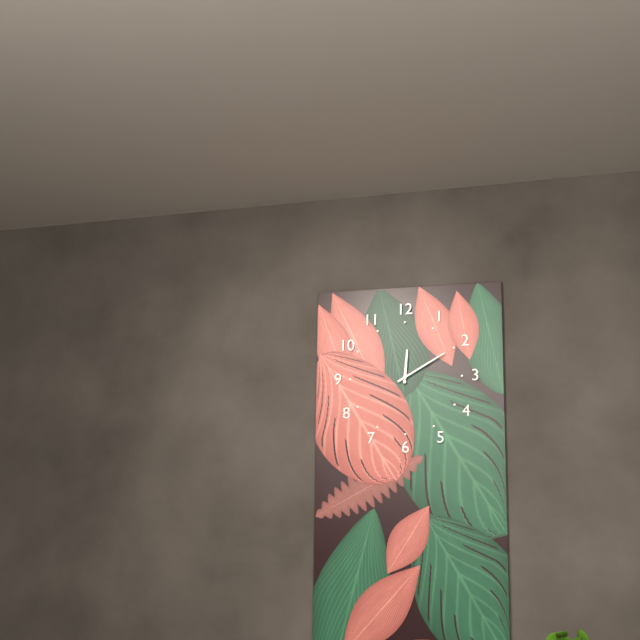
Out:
12 h 10 min
